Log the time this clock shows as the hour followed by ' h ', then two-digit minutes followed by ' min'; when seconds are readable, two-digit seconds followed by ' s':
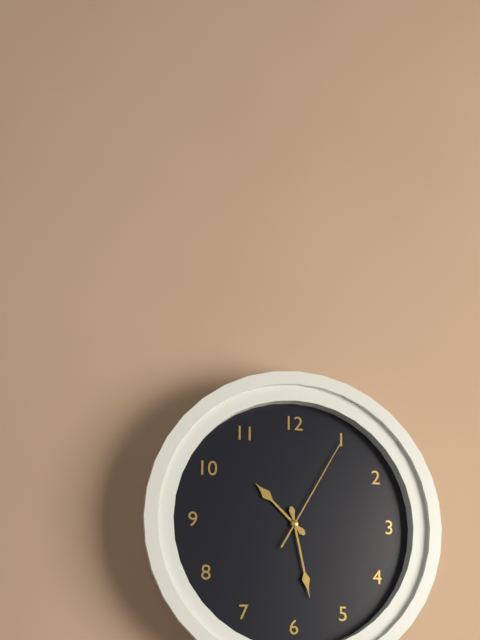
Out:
10 h 28 min 05 s
